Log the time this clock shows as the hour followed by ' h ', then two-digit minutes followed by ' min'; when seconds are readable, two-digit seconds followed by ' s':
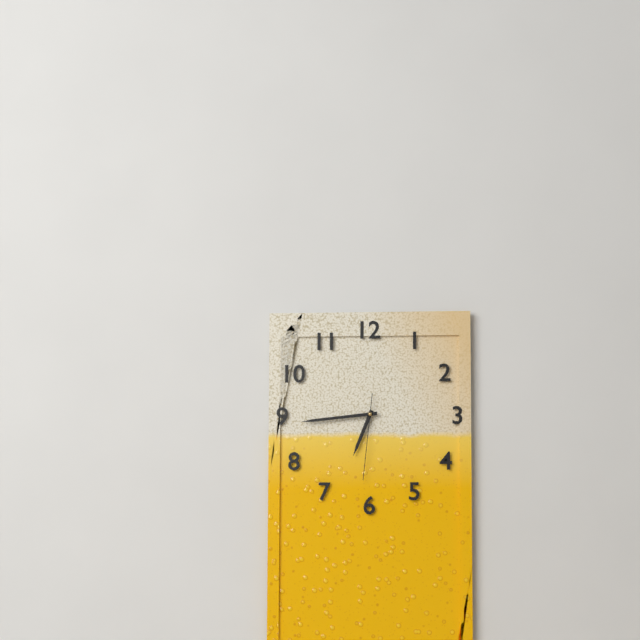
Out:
6 h 44 min 31 s
